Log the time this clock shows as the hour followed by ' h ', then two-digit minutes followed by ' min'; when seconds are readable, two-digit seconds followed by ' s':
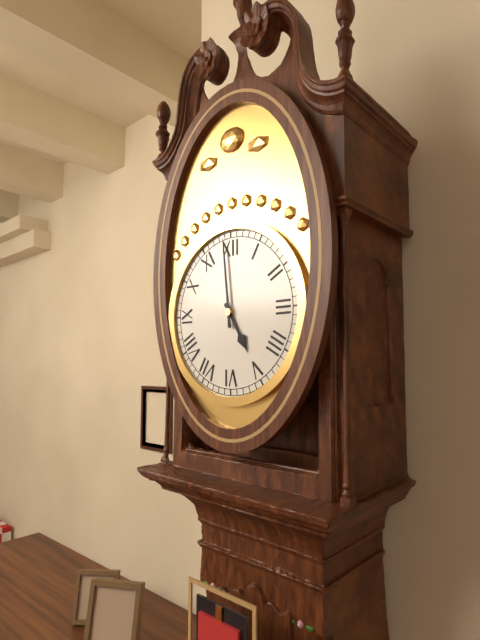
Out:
4 h 59 min
